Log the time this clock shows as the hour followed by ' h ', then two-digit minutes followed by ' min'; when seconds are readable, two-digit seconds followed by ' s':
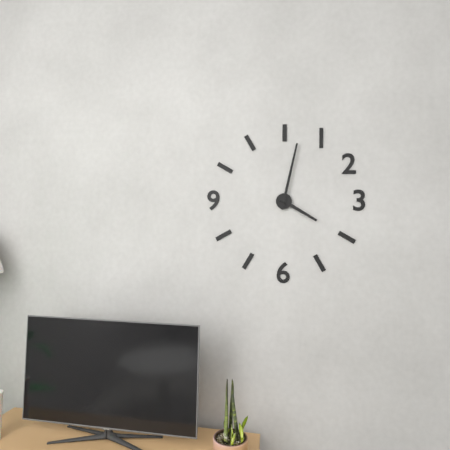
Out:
4 h 02 min
